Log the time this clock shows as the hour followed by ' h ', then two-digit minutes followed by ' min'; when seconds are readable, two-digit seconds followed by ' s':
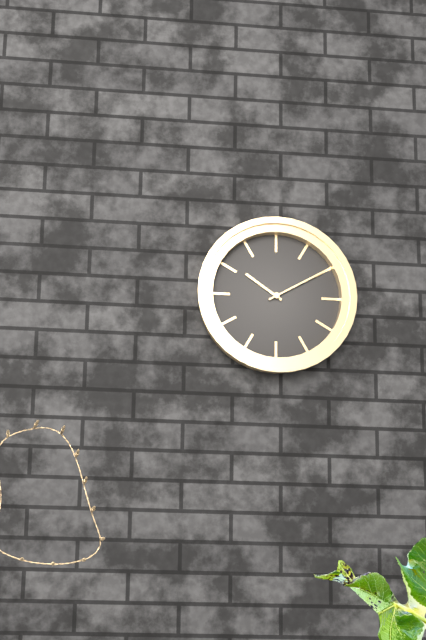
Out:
10 h 10 min
